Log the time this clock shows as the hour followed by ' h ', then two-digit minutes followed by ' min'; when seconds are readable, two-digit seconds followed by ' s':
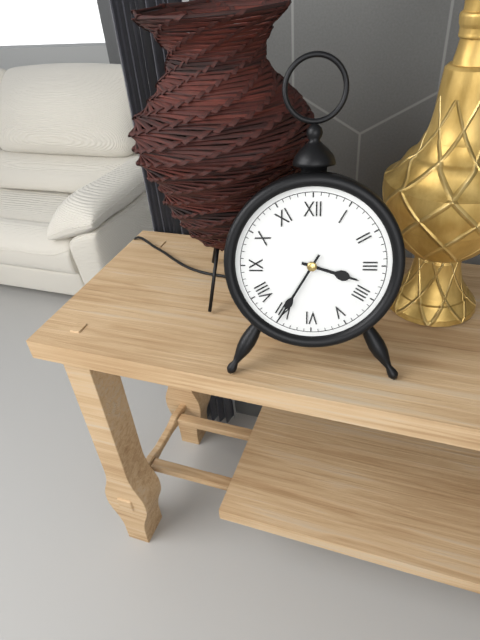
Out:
3 h 35 min
